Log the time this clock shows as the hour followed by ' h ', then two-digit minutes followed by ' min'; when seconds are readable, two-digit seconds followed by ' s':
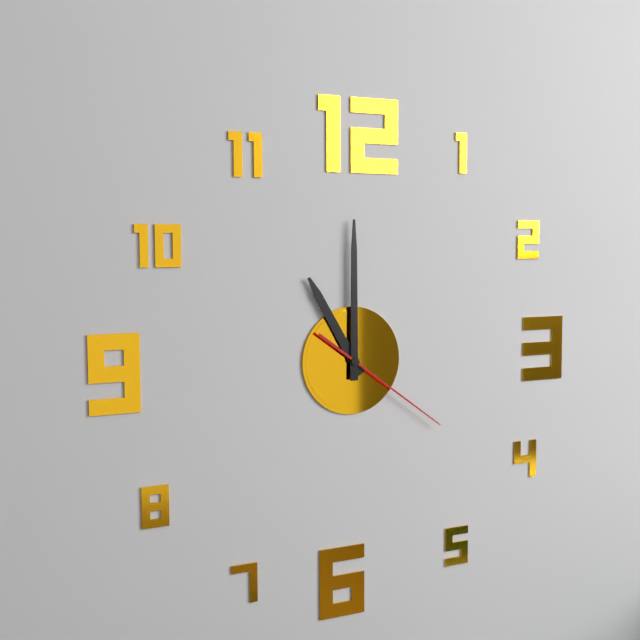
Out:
11 h 00 min 21 s
